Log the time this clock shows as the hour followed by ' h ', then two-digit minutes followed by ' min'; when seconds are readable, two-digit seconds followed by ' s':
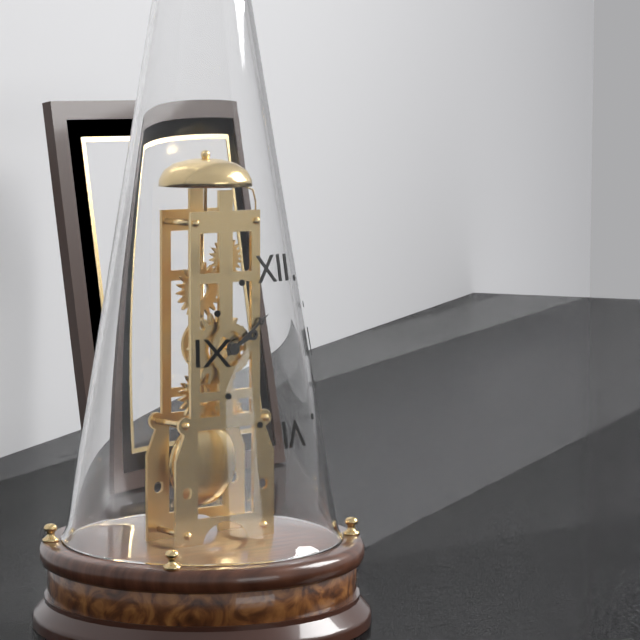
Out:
2 h 09 min
